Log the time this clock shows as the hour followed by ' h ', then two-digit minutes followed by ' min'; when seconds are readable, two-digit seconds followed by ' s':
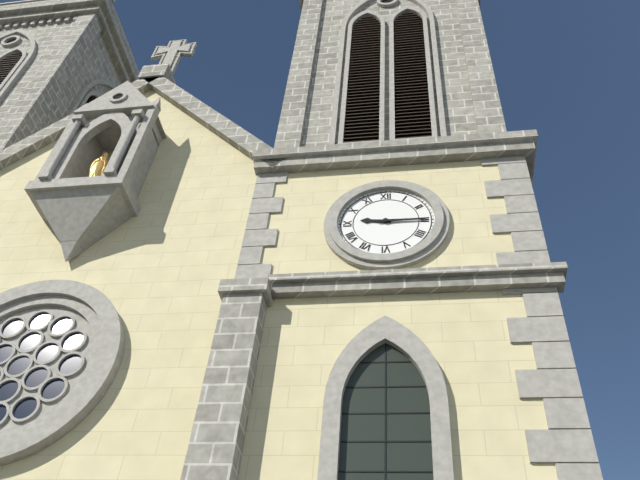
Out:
9 h 15 min
